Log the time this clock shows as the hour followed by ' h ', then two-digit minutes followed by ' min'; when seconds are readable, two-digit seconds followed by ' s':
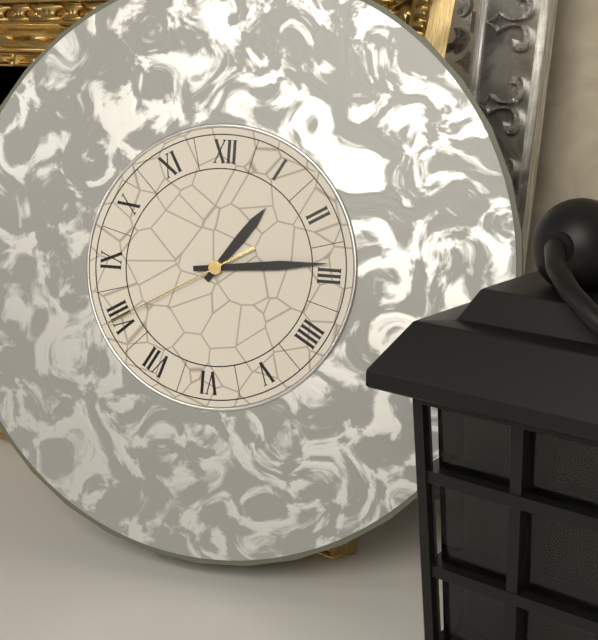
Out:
1 h 14 min 40 s
